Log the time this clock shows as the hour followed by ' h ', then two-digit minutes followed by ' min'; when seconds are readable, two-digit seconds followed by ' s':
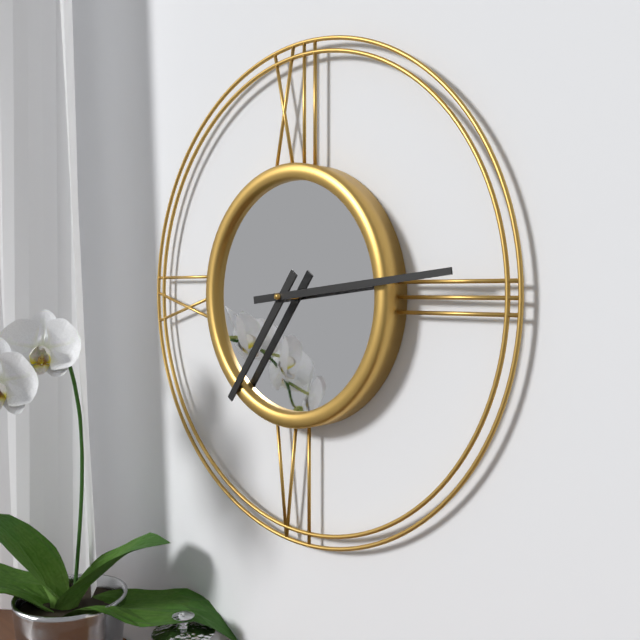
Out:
7 h 14 min
